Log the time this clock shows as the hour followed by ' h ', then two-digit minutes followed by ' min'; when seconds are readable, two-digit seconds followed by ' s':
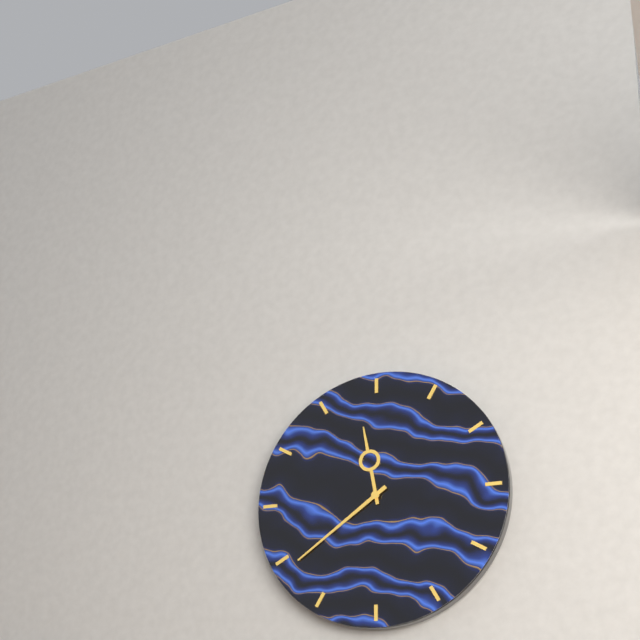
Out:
11 h 39 min
